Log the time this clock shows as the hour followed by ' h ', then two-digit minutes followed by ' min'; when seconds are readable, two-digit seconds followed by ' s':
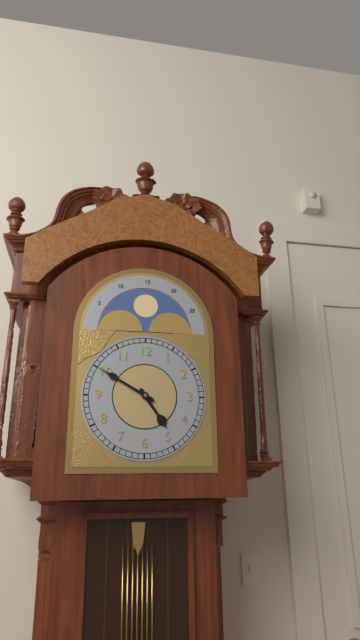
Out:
4 h 50 min
